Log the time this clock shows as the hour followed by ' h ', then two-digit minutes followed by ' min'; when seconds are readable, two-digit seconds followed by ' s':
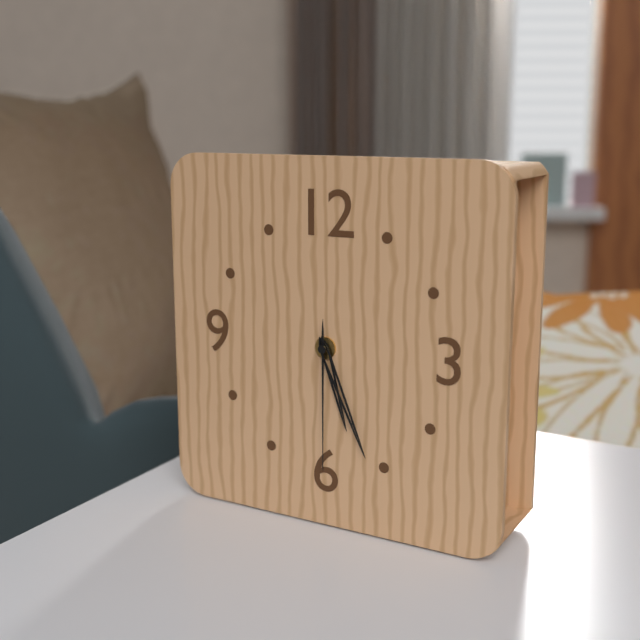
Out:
5 h 26 min 30 s
